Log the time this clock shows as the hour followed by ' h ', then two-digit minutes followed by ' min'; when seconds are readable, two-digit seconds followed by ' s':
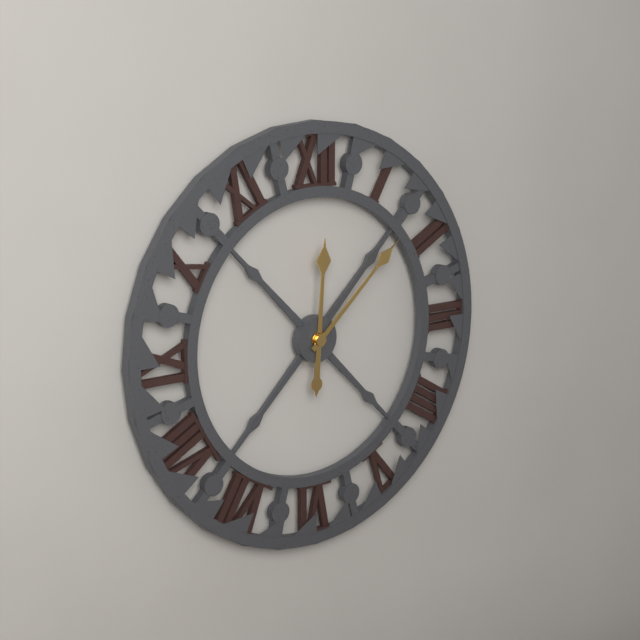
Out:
12 h 08 min
